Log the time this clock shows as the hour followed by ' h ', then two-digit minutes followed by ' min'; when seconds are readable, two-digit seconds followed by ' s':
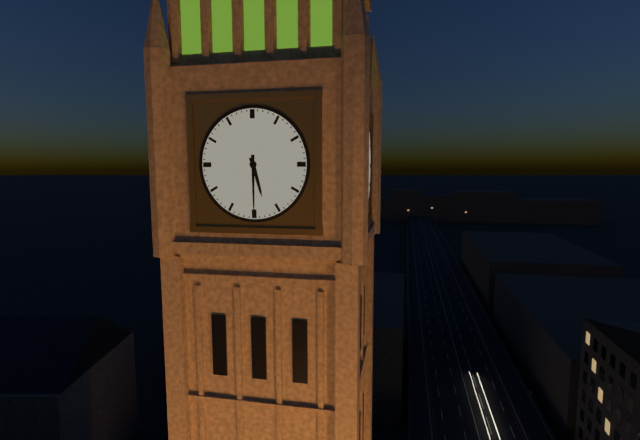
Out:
5 h 30 min
